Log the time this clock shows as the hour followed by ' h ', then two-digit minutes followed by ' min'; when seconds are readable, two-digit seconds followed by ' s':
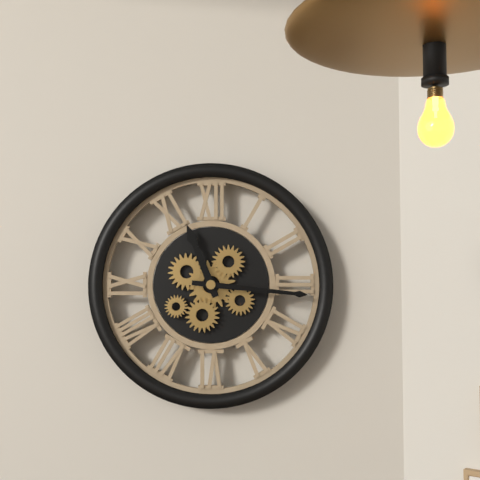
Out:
11 h 16 min
